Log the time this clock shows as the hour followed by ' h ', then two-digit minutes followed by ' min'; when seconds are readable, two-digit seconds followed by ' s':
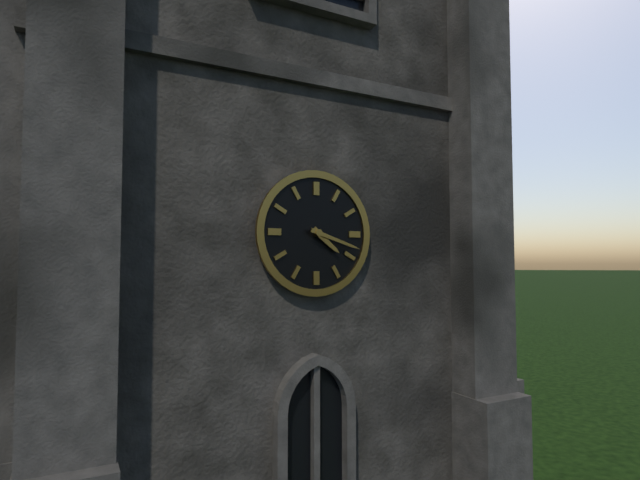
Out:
4 h 18 min
